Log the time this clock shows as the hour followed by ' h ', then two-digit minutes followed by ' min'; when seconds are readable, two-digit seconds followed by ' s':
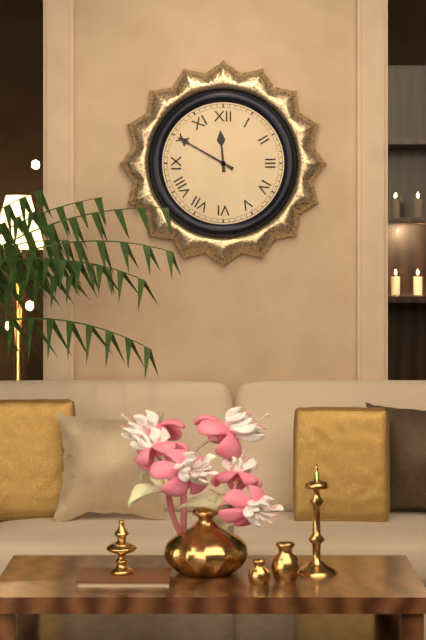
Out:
11 h 50 min
